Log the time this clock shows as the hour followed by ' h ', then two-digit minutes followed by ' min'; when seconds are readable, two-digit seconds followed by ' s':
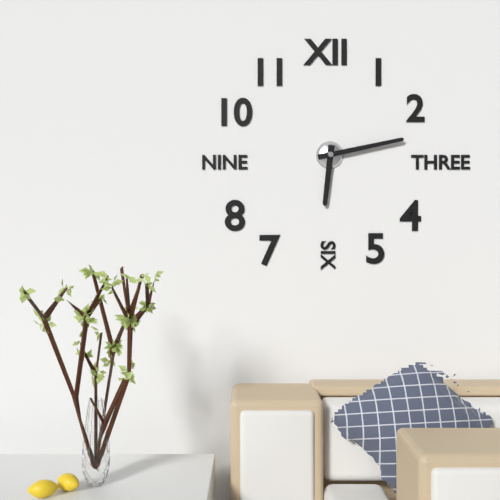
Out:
6 h 13 min
